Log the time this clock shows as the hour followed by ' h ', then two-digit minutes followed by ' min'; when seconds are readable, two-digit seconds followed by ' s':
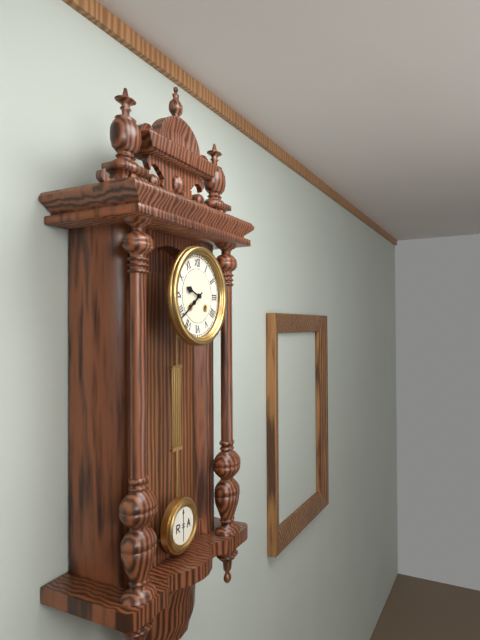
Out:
9 h 39 min
